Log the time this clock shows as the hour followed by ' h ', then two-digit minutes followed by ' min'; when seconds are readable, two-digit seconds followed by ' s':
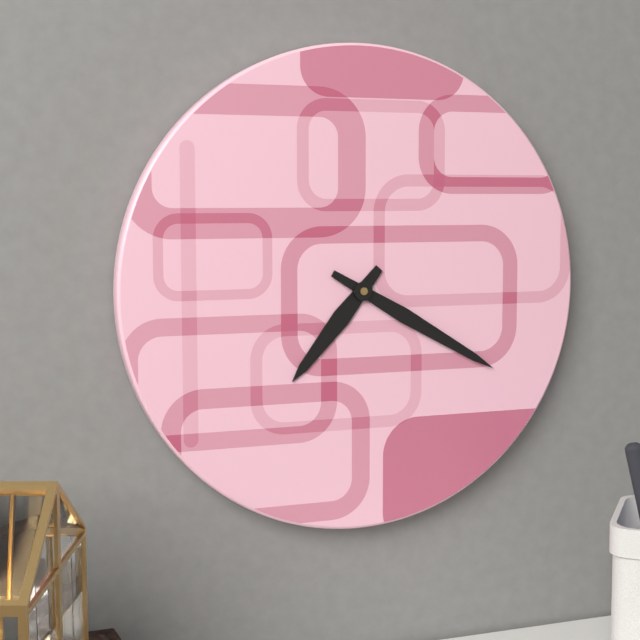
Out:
7 h 20 min
